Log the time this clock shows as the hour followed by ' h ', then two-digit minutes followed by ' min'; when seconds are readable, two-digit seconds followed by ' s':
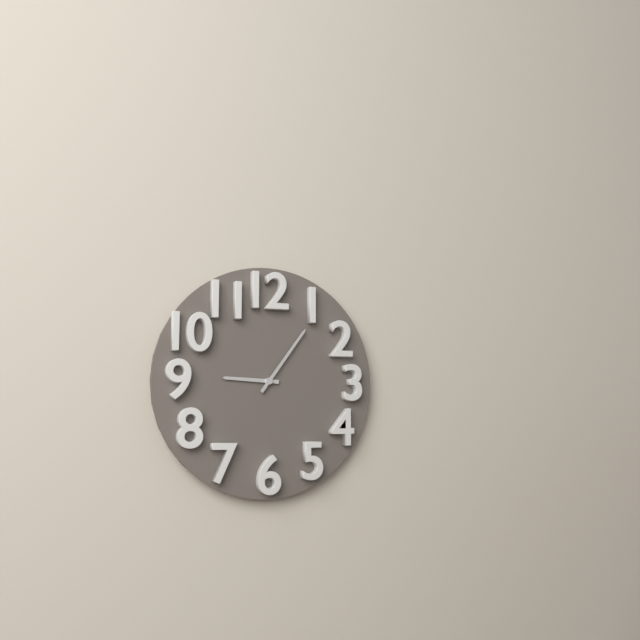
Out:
9 h 06 min
